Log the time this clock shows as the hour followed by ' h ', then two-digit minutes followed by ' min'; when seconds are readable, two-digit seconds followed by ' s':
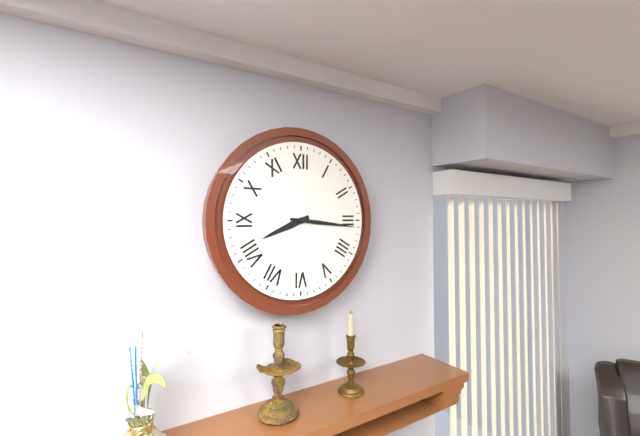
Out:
8 h 16 min
